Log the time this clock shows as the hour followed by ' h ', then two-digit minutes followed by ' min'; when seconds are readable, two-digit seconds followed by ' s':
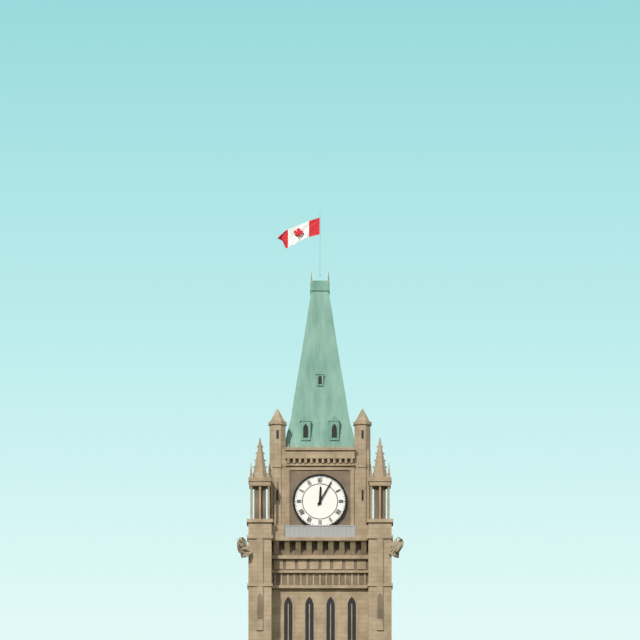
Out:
12 h 05 min
